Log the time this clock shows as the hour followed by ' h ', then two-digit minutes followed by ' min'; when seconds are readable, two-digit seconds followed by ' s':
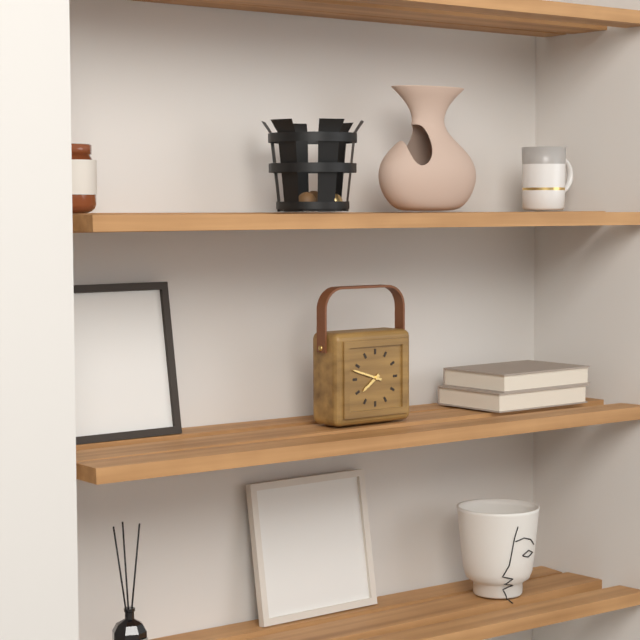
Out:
7 h 48 min
